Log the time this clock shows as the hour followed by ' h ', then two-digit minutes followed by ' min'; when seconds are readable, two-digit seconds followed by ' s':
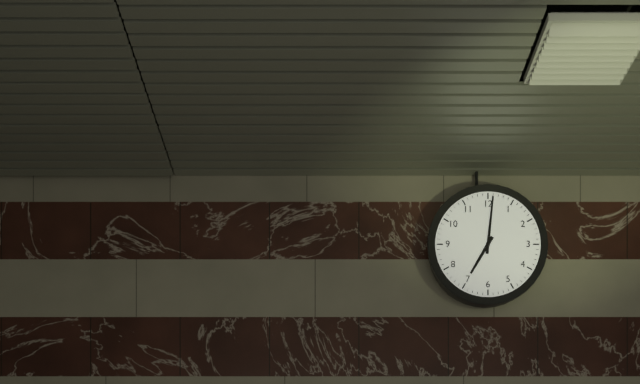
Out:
7 h 01 min
